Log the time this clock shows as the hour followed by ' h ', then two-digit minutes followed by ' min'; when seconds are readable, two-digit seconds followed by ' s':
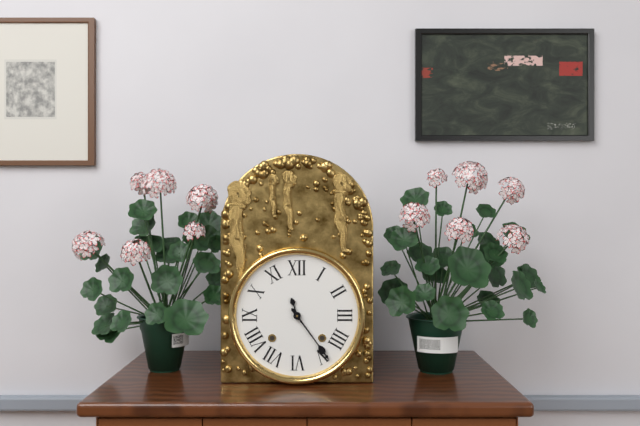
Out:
11 h 24 min
